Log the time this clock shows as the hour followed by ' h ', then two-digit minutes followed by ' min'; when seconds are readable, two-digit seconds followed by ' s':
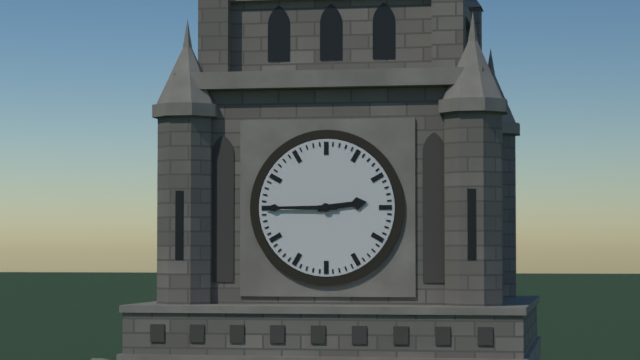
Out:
2 h 45 min
